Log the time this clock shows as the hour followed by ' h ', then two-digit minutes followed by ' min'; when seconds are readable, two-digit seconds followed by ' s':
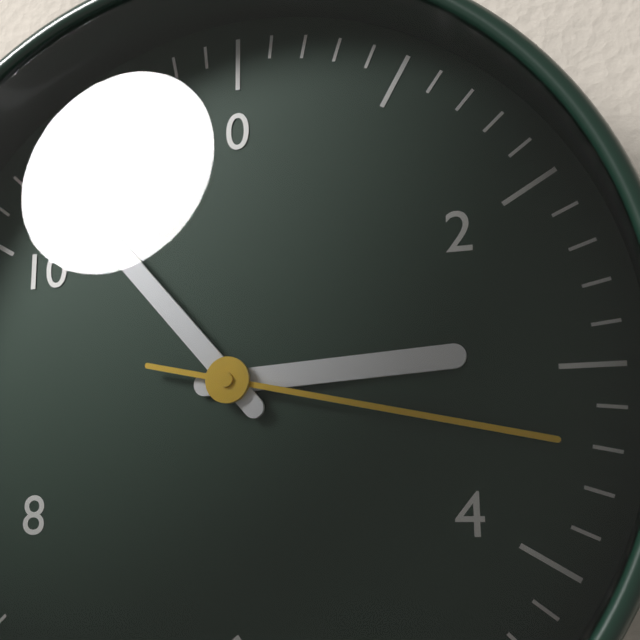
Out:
2 h 53 min 17 s
